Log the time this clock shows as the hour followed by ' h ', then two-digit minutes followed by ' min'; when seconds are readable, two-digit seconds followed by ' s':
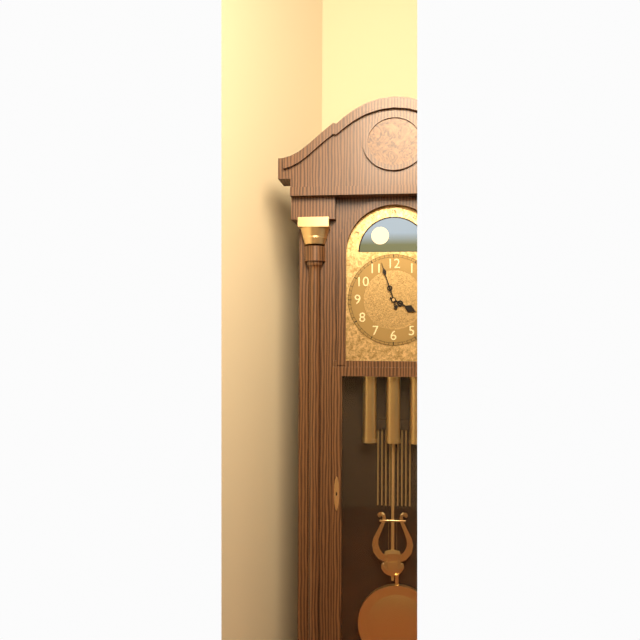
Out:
3 h 57 min
